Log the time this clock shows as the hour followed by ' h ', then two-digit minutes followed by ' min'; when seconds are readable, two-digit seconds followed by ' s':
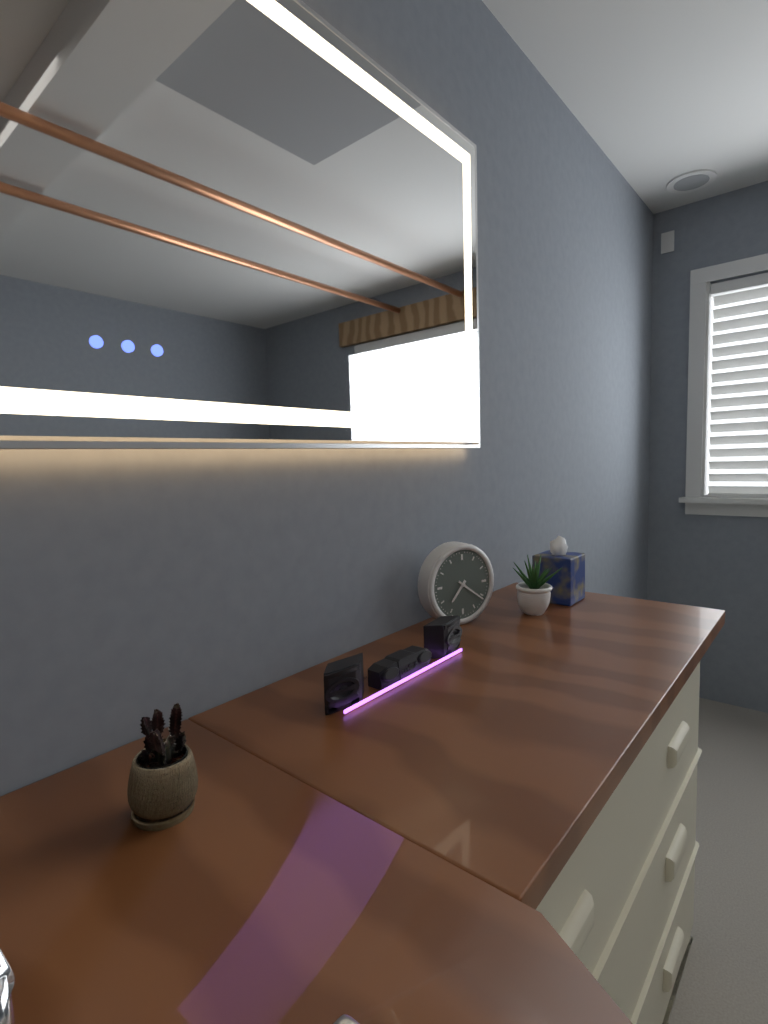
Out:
7 h 21 min
